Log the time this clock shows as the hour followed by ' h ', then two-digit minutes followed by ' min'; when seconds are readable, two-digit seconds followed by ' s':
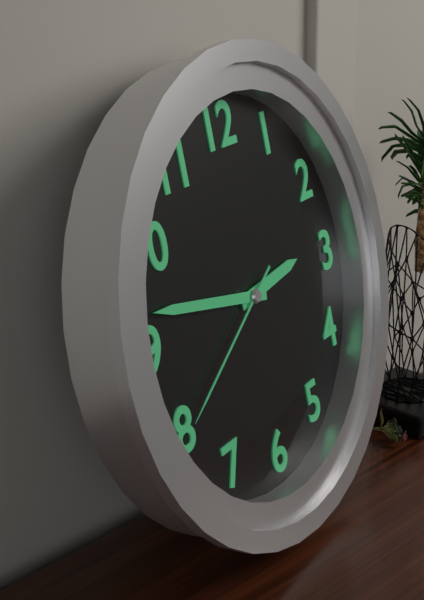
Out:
2 h 47 min 40 s
